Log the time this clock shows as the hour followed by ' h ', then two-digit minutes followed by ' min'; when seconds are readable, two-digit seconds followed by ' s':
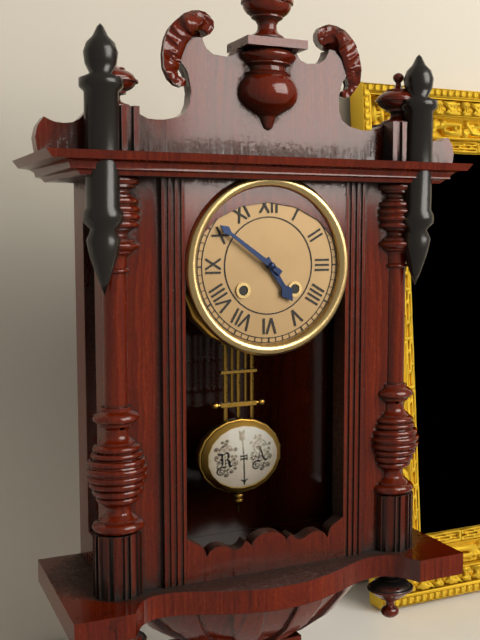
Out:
4 h 51 min
